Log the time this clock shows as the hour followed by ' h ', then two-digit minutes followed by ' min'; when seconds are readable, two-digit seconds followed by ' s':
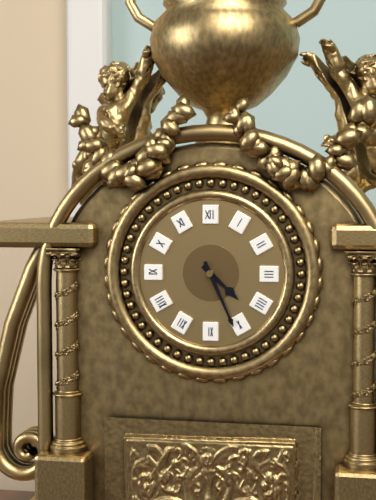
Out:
4 h 26 min
